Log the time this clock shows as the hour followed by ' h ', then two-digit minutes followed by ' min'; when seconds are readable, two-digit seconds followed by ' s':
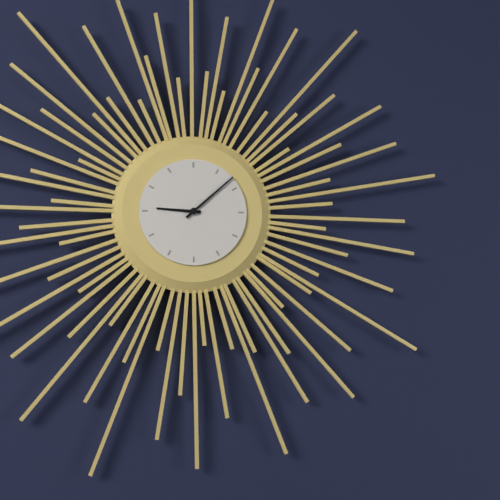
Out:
9 h 08 min
